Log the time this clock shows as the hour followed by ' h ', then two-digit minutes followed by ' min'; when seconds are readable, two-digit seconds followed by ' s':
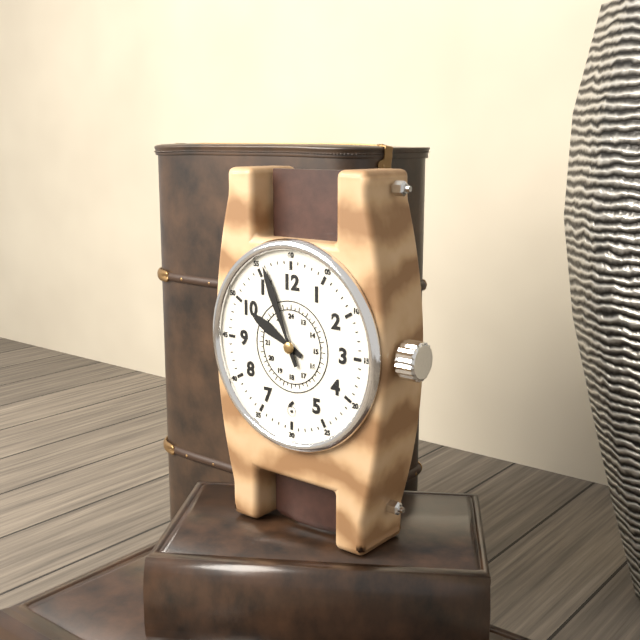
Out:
9 h 56 min
